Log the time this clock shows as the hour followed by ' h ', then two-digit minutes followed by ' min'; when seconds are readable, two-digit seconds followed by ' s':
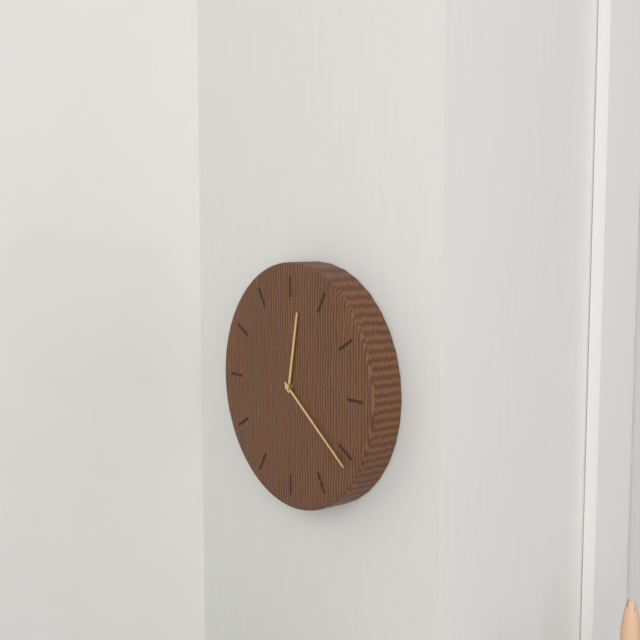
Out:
12 h 21 min
